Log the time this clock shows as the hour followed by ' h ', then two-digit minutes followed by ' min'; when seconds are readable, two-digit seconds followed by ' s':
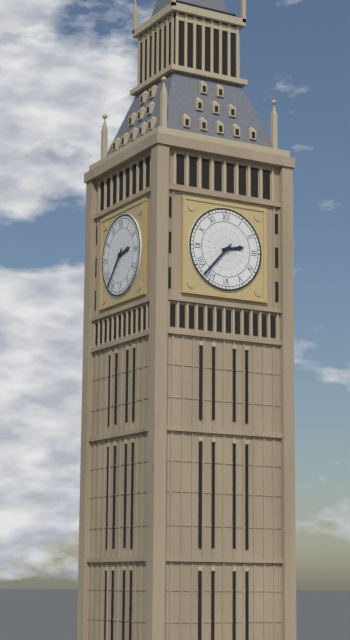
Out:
2 h 37 min
